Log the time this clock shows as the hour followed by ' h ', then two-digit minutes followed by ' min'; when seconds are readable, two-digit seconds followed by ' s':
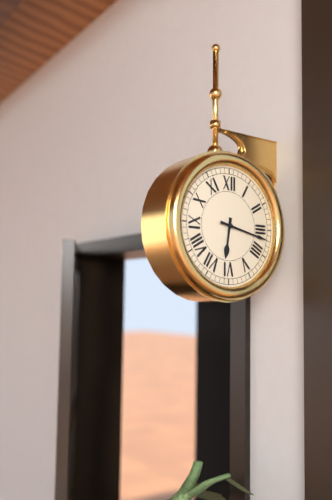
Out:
6 h 17 min
